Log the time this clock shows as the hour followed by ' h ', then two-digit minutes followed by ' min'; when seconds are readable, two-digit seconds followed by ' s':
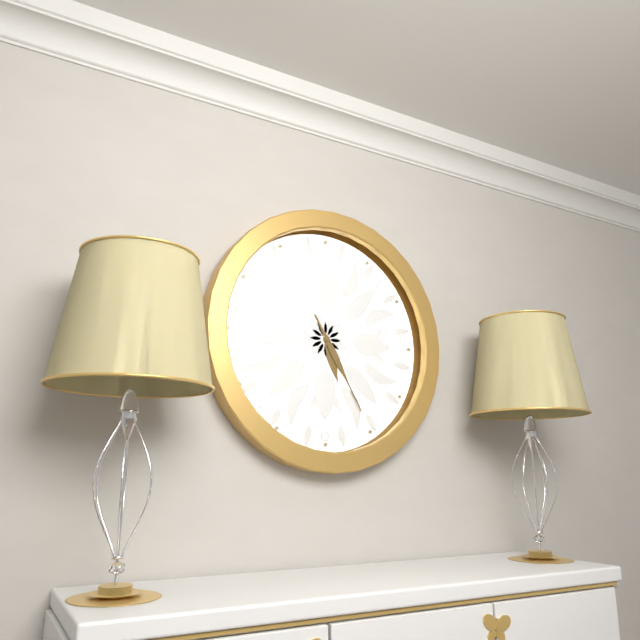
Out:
5 h 25 min
